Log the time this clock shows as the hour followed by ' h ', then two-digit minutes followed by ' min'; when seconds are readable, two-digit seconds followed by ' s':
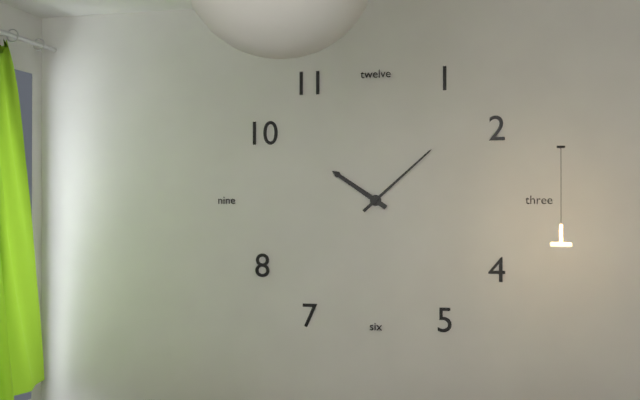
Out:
10 h 08 min
